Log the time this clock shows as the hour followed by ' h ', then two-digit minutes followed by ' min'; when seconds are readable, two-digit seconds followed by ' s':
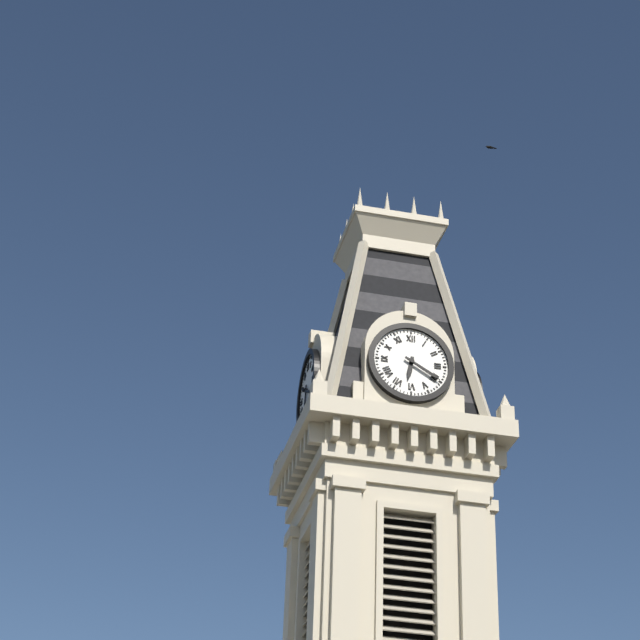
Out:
6 h 20 min
